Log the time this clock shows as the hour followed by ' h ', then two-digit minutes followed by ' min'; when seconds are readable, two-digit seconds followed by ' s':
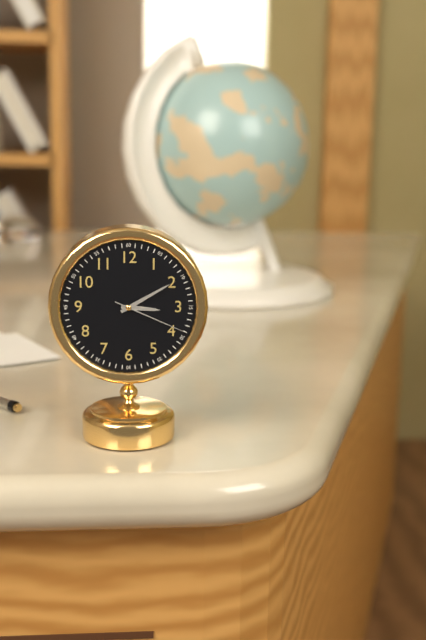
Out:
3 h 10 min 19 s
